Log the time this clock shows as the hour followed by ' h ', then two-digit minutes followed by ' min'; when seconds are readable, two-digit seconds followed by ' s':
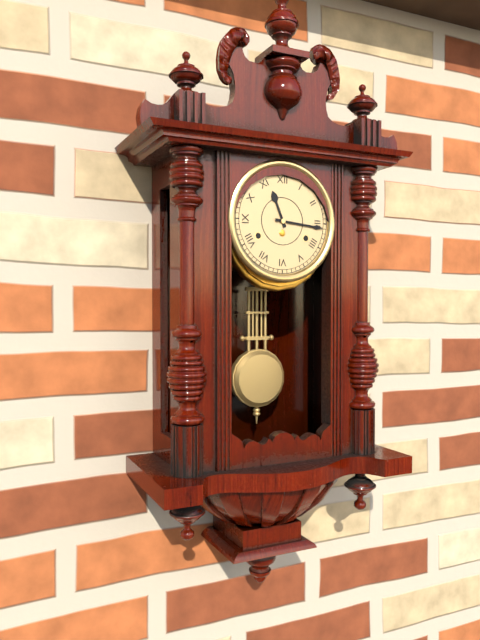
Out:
11 h 16 min
